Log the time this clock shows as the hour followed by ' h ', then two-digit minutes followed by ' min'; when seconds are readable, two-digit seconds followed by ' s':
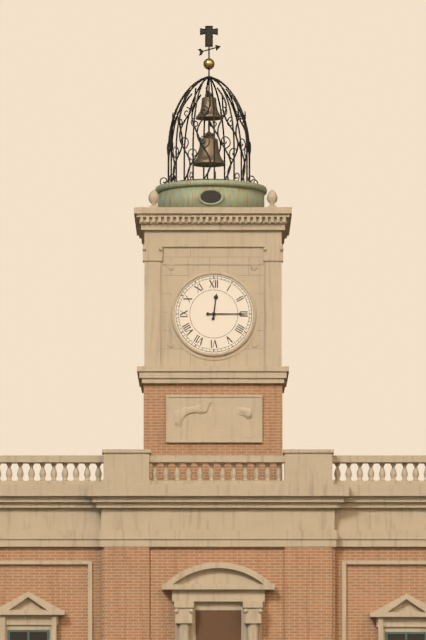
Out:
12 h 15 min
